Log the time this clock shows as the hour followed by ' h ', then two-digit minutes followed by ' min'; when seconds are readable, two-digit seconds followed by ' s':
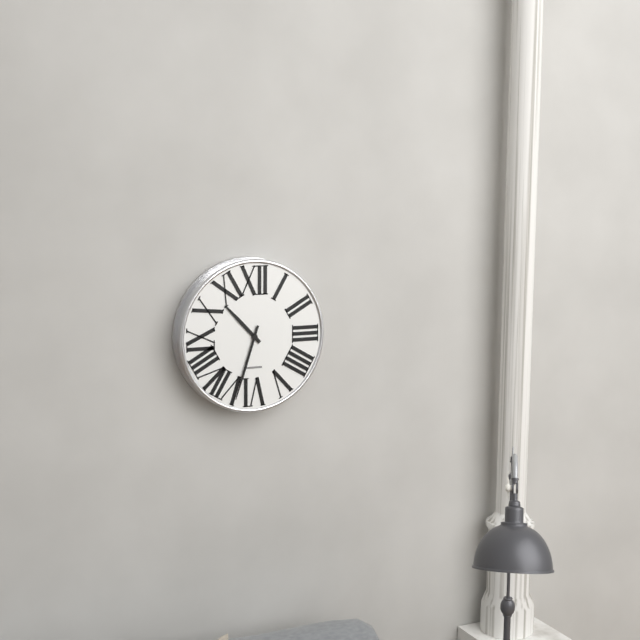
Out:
10 h 33 min
